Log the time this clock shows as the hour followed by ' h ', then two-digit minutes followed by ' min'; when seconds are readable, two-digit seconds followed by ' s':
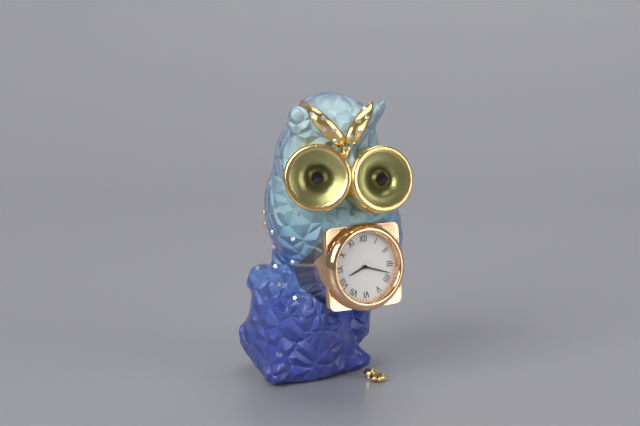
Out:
8 h 18 min
